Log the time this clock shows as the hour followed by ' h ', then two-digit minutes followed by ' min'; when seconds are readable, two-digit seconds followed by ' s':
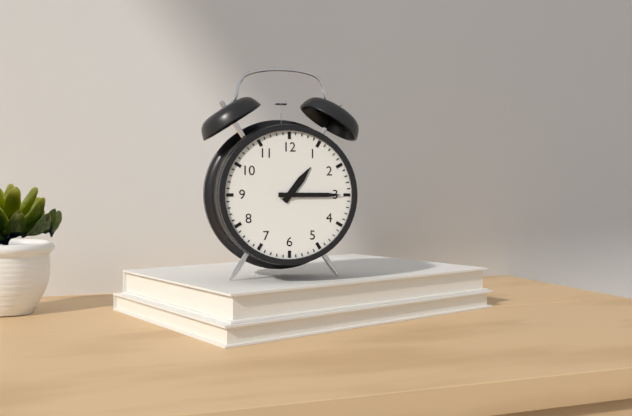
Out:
1 h 15 min
